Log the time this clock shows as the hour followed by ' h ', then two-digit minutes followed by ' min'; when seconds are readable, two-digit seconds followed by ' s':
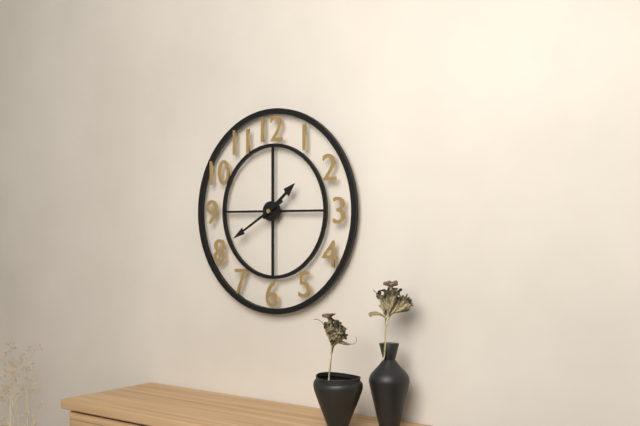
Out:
1 h 40 min
